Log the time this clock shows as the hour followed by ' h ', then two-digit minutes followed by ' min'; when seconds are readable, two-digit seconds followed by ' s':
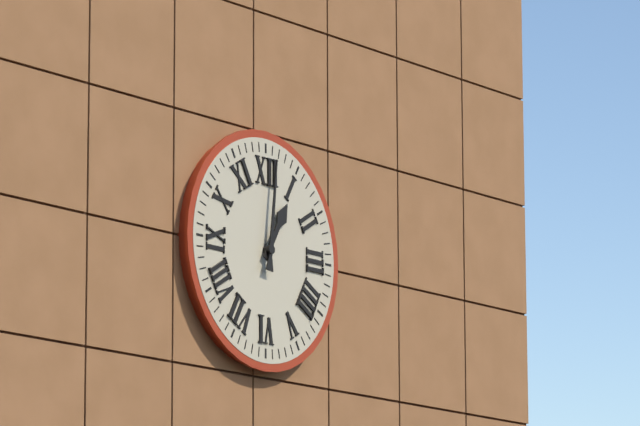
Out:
1 h 01 min
